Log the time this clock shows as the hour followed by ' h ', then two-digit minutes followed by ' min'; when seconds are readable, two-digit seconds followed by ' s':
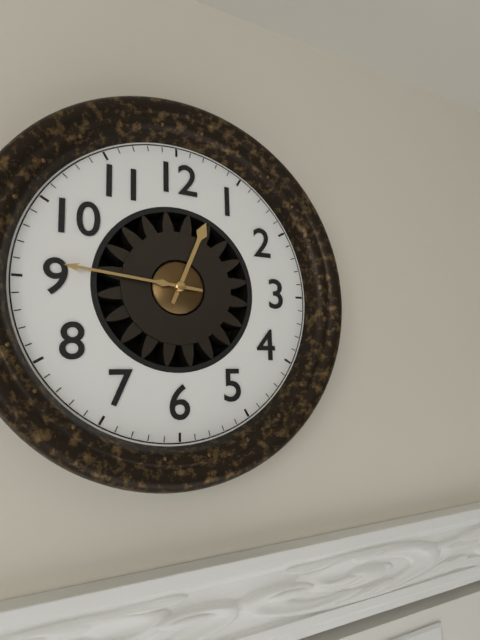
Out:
12 h 46 min
